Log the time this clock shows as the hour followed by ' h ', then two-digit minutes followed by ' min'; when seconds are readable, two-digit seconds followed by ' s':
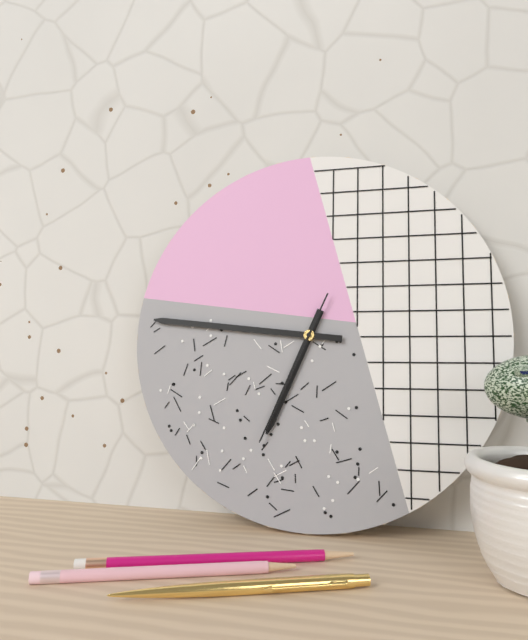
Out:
6 h 46 min 34 s
